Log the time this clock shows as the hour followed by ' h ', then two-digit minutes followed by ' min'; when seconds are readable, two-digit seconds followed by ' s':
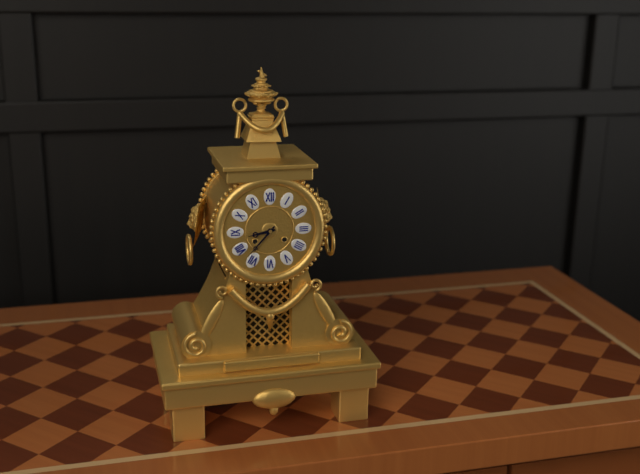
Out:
8 h 37 min
